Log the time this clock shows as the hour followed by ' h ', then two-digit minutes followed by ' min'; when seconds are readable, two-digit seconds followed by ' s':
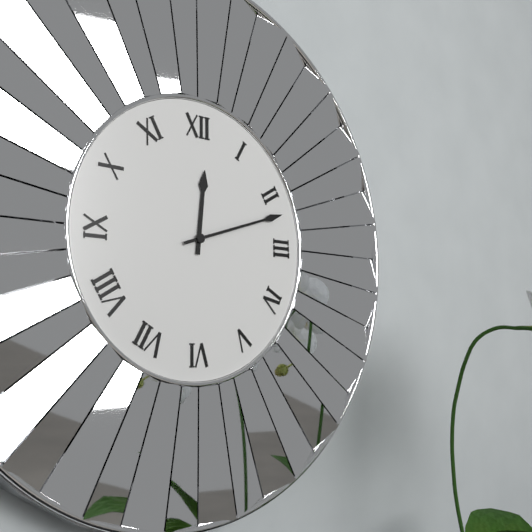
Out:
12 h 12 min
